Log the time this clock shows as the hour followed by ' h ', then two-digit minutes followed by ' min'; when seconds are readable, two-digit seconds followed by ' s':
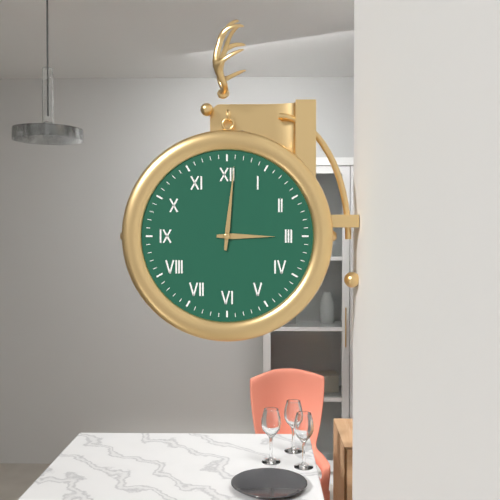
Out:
3 h 01 min
